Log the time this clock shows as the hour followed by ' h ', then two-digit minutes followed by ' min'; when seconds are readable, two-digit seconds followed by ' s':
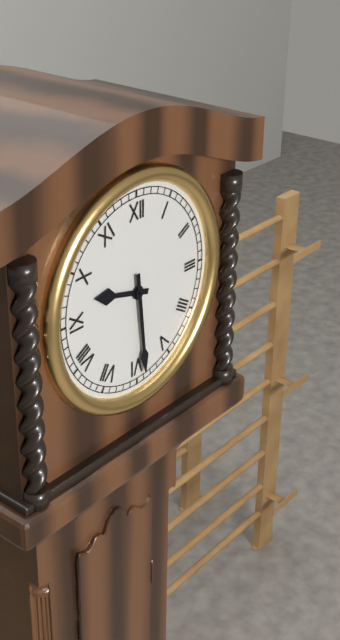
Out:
9 h 29 min
